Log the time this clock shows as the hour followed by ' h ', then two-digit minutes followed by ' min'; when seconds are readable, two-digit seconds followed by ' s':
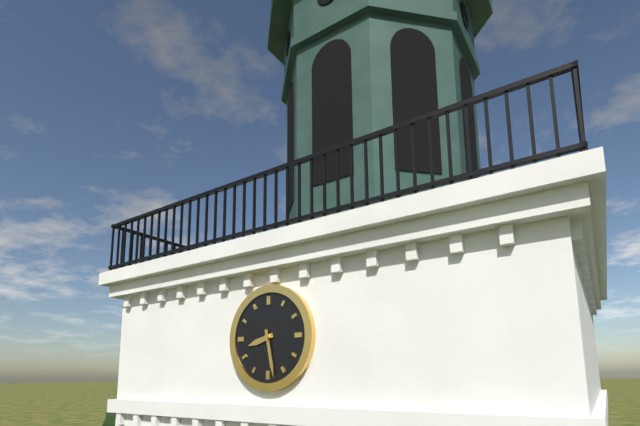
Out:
8 h 28 min
